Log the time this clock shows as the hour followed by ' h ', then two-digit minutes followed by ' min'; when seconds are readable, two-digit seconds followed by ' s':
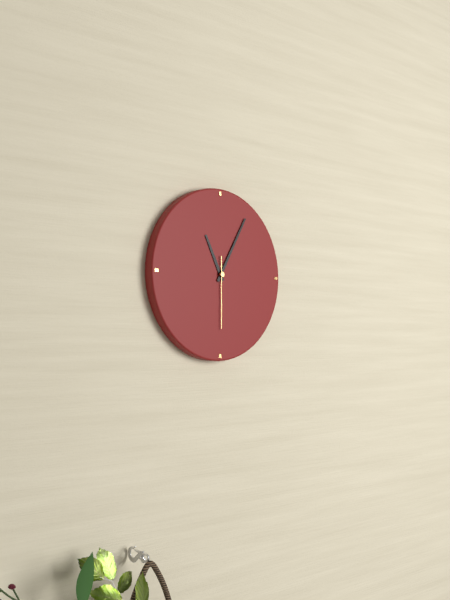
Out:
11 h 05 min 30 s
